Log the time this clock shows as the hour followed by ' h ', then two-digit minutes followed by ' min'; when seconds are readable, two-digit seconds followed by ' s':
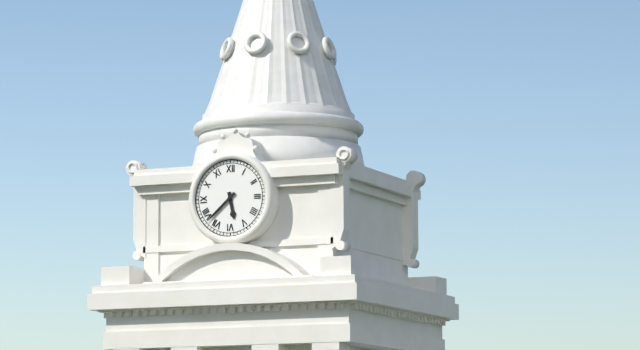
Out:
5 h 38 min
